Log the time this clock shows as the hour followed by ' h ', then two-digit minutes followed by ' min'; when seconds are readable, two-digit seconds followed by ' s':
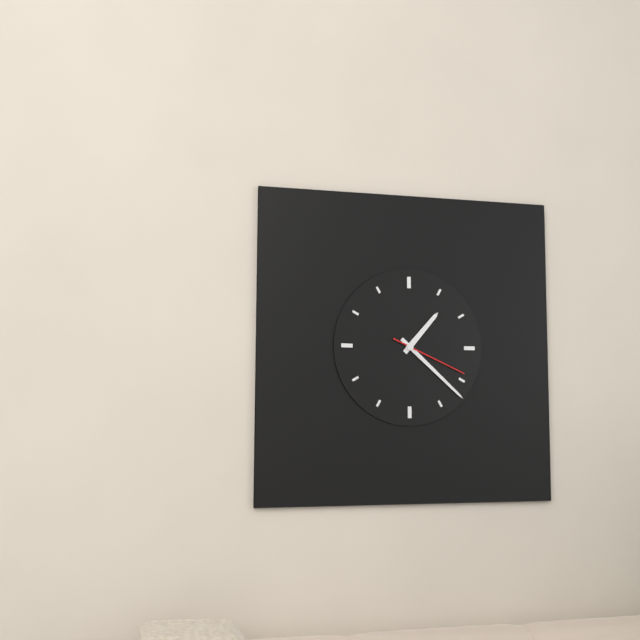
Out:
1 h 22 min 19 s
